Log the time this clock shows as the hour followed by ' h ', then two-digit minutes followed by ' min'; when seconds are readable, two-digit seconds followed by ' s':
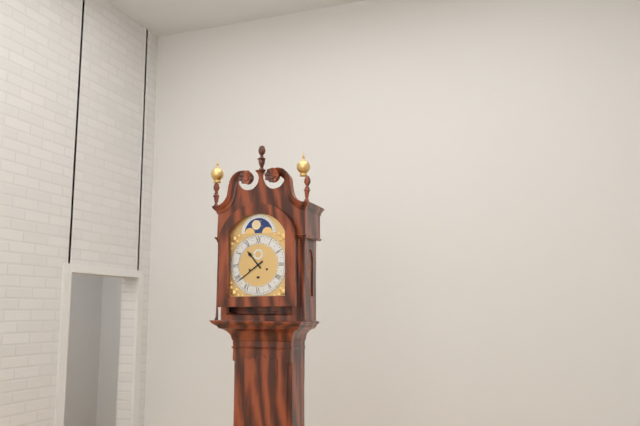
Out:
10 h 39 min
